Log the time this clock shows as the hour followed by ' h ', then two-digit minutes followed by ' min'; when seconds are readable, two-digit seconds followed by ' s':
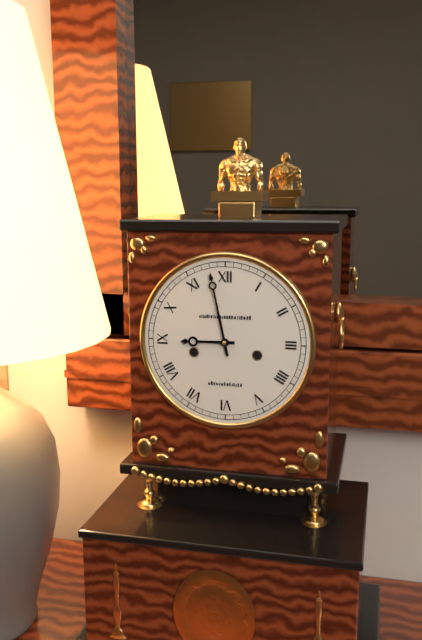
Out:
8 h 58 min
